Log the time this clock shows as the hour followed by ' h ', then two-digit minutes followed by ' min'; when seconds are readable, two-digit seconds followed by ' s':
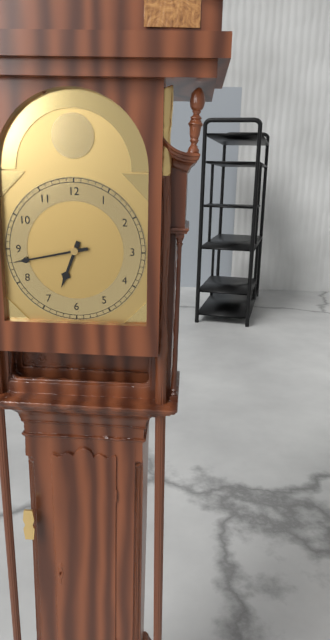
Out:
6 h 43 min
